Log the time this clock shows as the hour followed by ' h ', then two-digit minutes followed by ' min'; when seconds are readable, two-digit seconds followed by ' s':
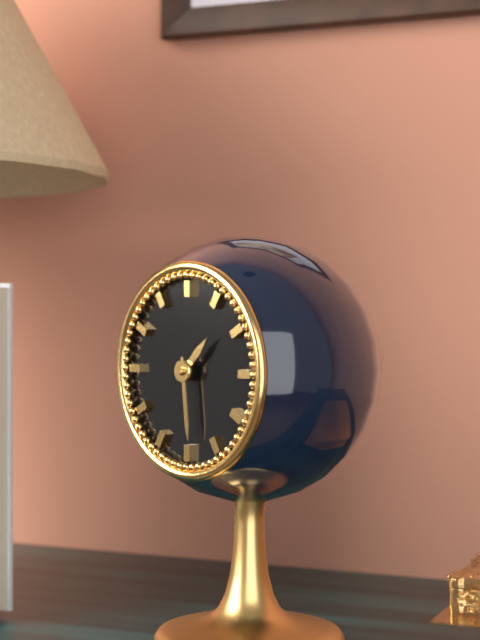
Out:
1 h 29 min
